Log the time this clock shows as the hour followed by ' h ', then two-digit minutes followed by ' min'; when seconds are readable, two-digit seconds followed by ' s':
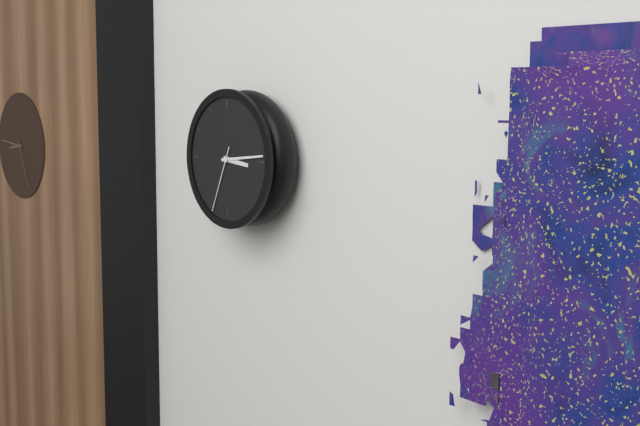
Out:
3 h 14 min 34 s
